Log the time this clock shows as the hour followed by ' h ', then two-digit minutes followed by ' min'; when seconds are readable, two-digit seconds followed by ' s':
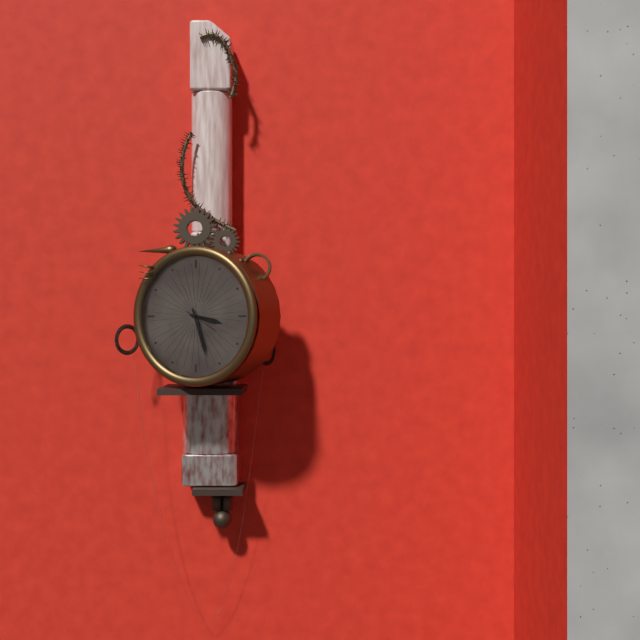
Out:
3 h 27 min
